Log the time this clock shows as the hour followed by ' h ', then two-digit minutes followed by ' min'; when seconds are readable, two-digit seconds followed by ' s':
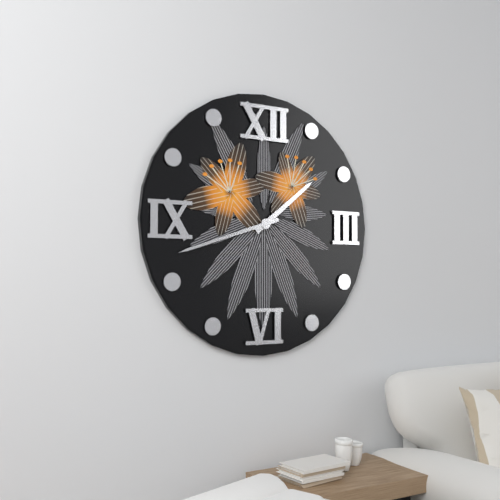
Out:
1 h 42 min
